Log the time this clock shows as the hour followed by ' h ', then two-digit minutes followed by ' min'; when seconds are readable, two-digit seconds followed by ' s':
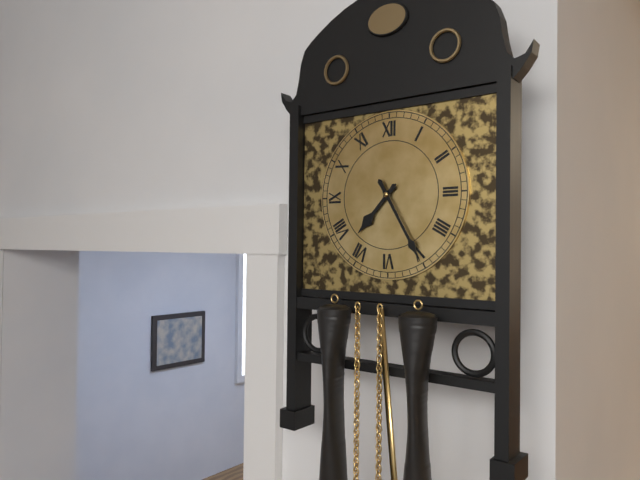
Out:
7 h 25 min
